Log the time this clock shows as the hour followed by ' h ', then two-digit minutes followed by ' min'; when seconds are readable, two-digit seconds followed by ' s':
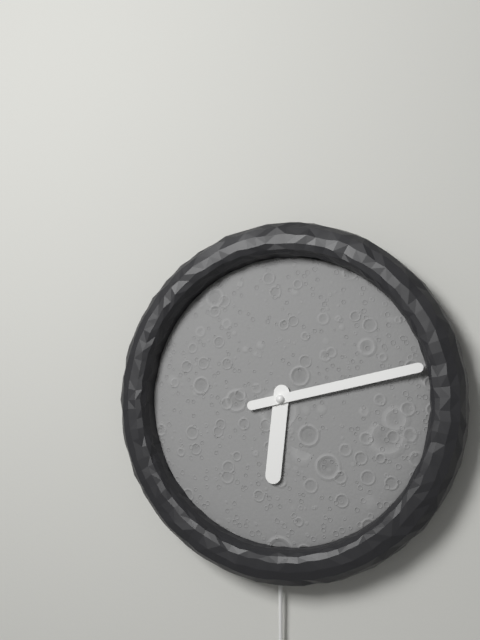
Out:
6 h 13 min
